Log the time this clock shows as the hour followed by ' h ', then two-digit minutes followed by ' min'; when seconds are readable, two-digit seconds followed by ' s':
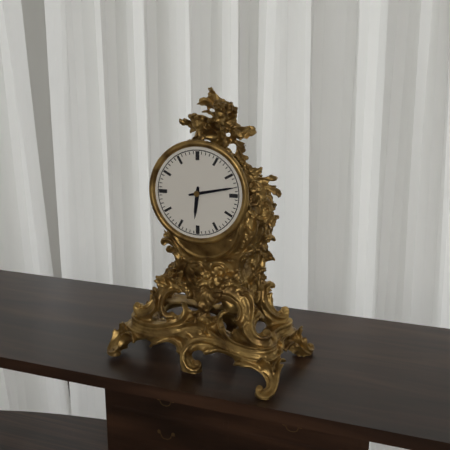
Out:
6 h 13 min
